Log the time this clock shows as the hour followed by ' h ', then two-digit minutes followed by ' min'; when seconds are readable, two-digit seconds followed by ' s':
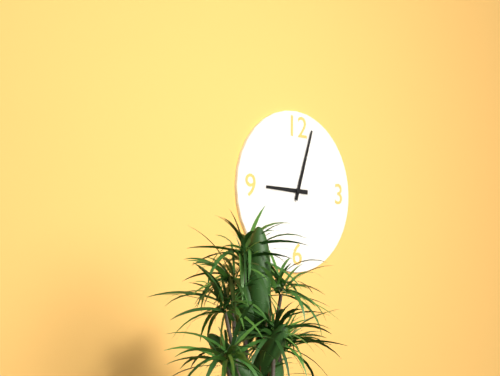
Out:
9 h 03 min
